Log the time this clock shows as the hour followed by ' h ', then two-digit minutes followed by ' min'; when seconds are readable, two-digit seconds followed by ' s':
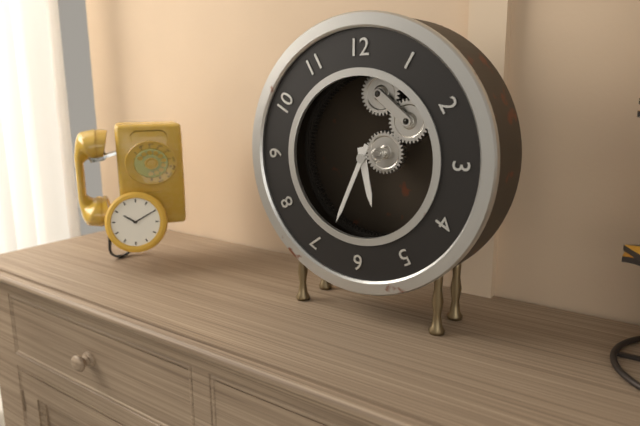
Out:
5 h 34 min
